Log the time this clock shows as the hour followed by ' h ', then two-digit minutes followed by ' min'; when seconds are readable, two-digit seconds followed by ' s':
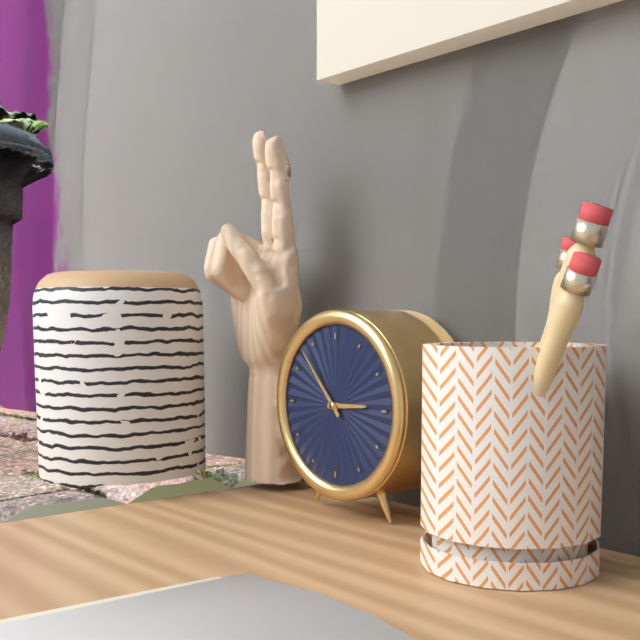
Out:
2 h 53 min
